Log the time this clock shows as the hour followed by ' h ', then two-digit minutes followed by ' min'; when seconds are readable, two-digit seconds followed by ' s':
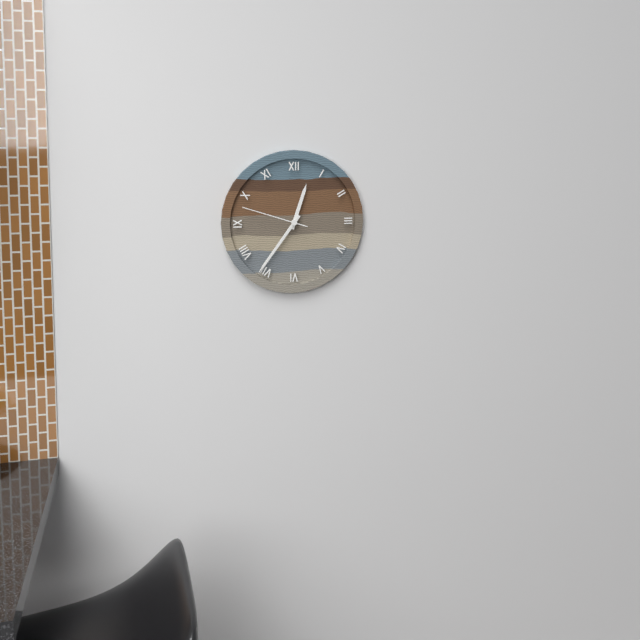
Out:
12 h 36 min 48 s
